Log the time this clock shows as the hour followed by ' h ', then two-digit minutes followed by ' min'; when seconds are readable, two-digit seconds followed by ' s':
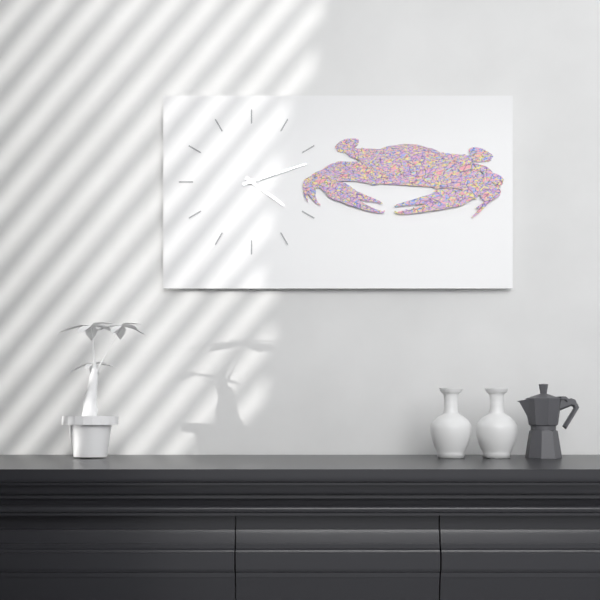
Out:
4 h 12 min
